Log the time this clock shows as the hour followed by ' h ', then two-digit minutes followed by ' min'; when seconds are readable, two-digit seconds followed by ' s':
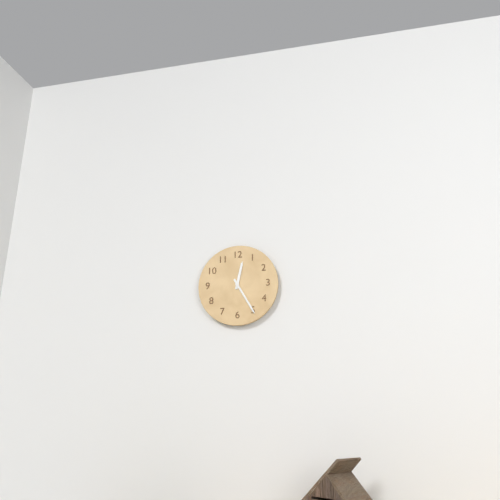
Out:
12 h 25 min
